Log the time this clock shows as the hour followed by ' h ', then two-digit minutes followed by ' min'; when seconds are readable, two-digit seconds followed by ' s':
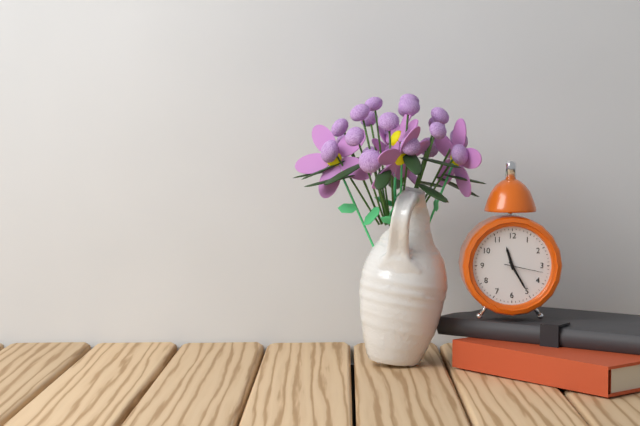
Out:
11 h 25 min
